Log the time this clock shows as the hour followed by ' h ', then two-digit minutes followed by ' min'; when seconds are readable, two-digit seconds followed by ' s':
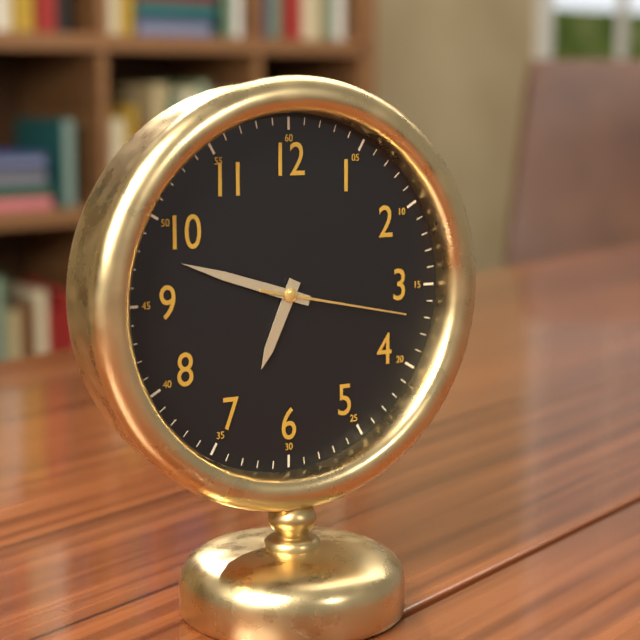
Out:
6 h 48 min 17 s
